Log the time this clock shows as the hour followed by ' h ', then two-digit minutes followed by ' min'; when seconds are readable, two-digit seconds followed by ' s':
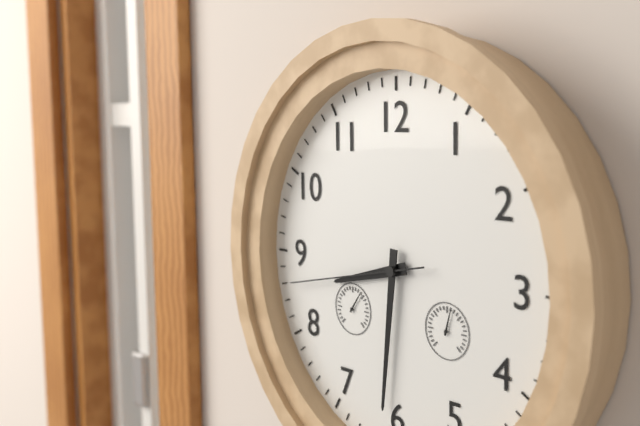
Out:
8 h 31 min 43 s
